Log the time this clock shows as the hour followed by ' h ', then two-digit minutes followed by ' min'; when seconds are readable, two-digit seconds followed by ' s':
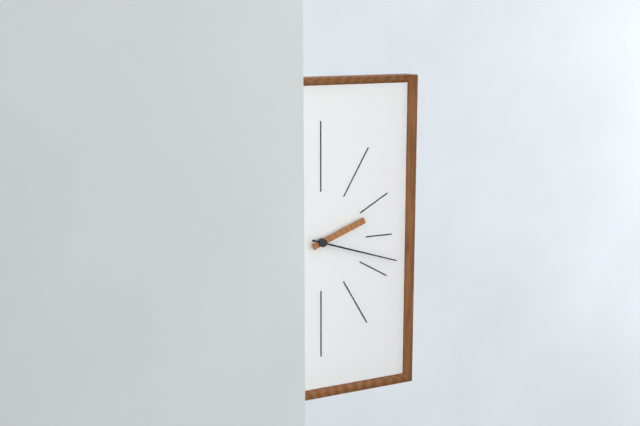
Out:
2 h 18 min
